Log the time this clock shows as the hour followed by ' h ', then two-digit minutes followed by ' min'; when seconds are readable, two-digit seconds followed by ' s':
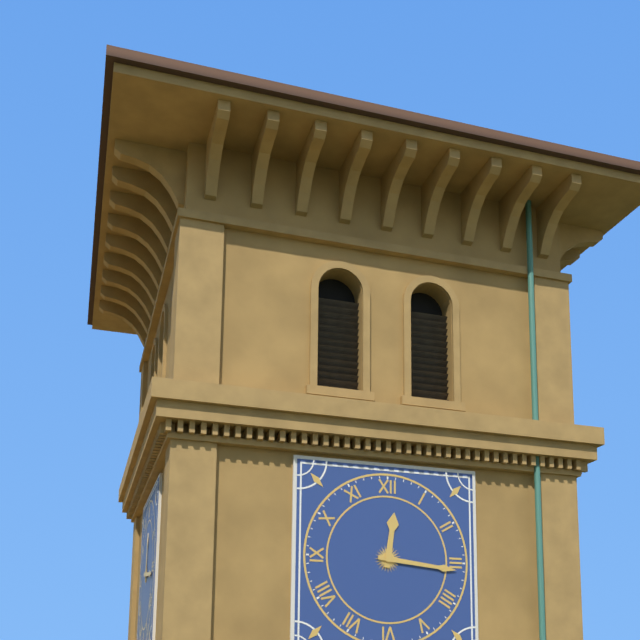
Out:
12 h 16 min
